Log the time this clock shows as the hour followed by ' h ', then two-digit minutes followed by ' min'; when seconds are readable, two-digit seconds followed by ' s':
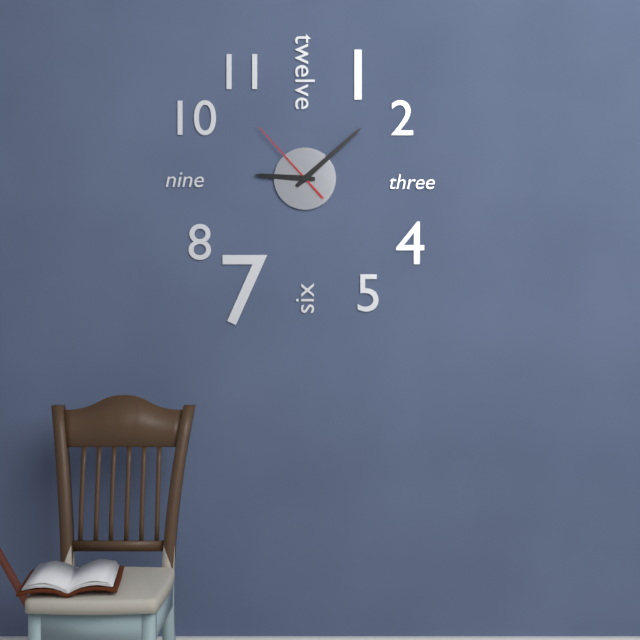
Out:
9 h 08 min 53 s
